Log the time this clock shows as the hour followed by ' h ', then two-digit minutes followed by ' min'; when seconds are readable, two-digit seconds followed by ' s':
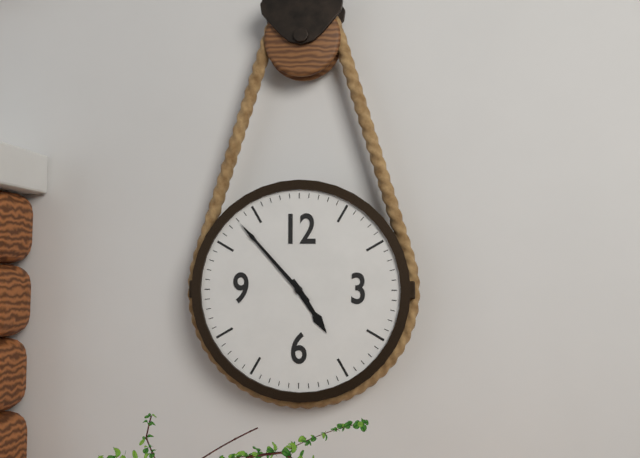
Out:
4 h 53 min
